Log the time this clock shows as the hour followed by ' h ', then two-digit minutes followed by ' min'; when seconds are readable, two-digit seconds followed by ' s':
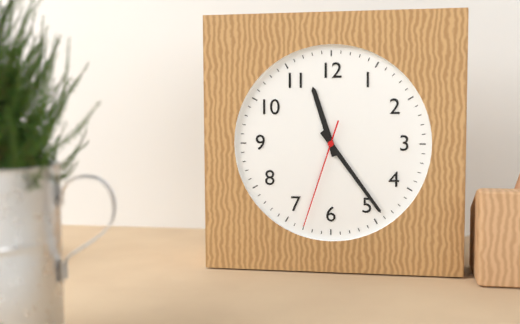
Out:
11 h 24 min 33 s
